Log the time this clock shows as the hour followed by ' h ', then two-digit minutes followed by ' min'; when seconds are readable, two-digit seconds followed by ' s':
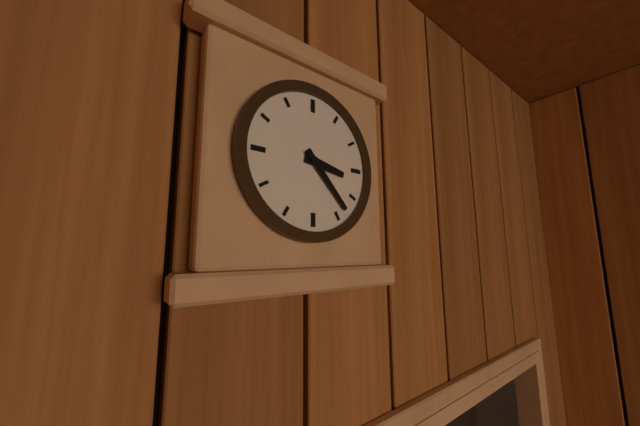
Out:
3 h 23 min
